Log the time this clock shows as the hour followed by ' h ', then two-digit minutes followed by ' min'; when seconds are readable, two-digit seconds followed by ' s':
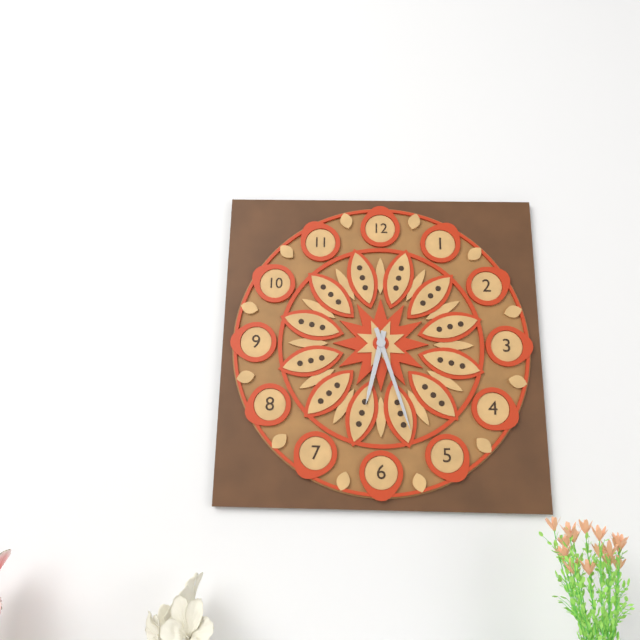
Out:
6 h 27 min
